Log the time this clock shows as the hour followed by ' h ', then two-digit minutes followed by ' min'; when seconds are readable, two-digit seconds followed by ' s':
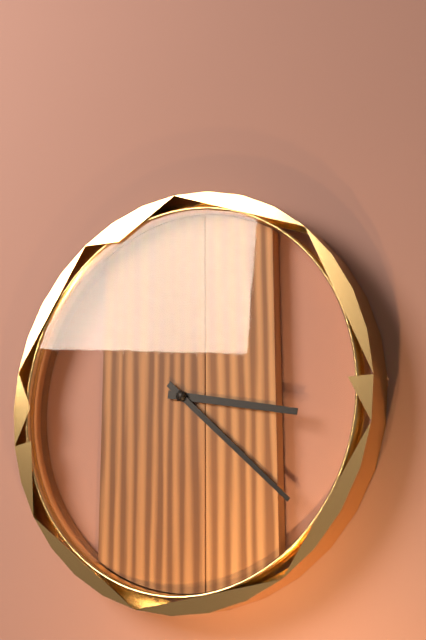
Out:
3 h 22 min
